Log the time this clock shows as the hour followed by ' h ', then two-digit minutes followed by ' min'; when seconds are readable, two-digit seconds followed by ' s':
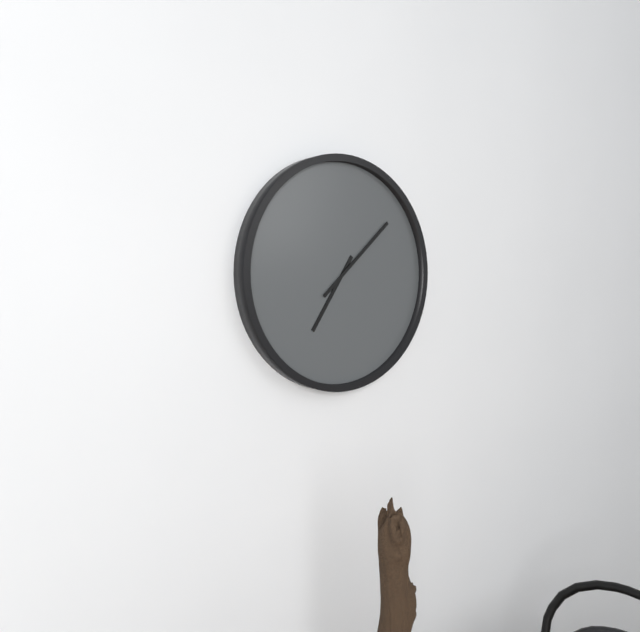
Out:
7 h 08 min
